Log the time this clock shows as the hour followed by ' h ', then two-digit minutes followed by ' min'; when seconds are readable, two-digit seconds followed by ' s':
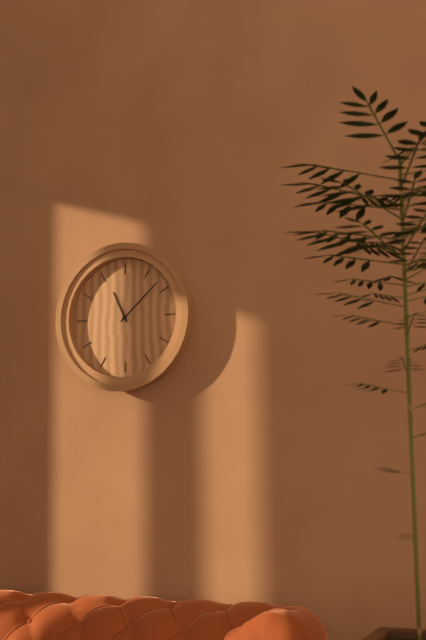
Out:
11 h 08 min
